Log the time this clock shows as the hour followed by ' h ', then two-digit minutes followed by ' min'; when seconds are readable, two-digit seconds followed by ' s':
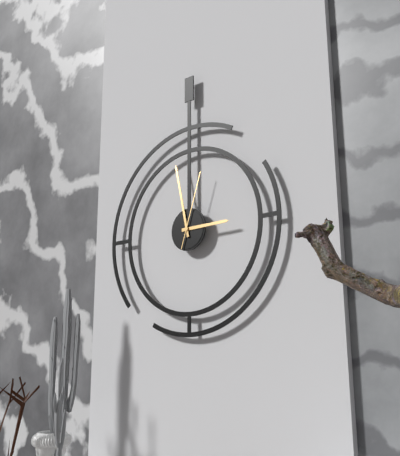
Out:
2 h 58 min 03 s
